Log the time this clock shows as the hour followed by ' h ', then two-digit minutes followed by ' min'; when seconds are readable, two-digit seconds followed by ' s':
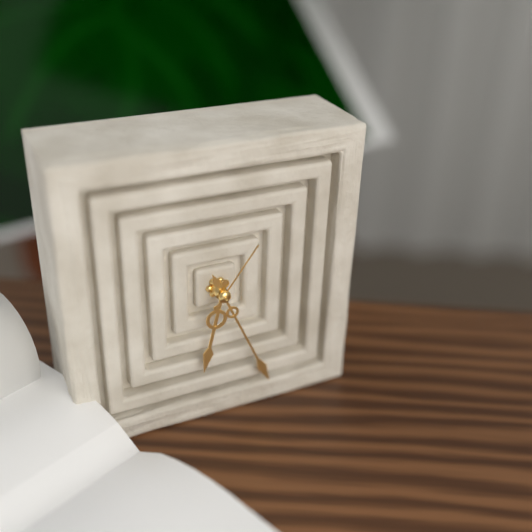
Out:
6 h 26 min 06 s
